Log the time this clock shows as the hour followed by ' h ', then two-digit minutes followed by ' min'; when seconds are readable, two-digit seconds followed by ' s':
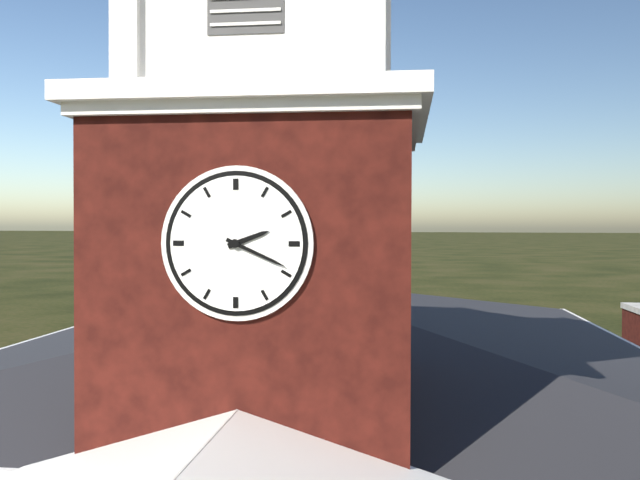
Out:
2 h 19 min
